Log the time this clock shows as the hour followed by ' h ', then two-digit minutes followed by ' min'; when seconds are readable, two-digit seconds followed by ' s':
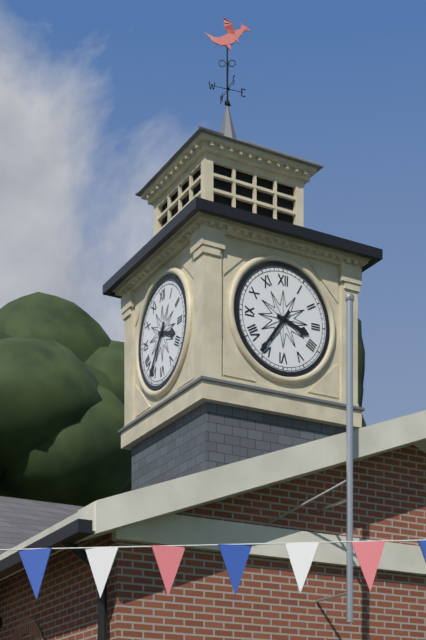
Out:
3 h 36 min
